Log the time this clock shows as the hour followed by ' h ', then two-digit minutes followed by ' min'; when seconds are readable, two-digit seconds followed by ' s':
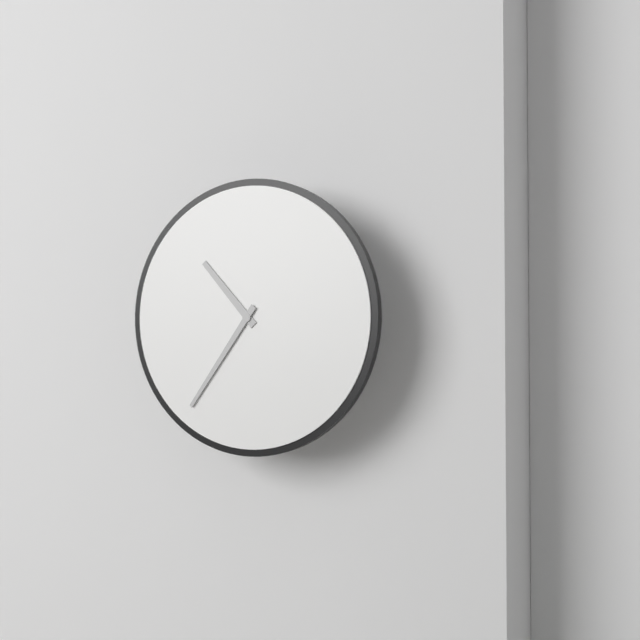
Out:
10 h 36 min
